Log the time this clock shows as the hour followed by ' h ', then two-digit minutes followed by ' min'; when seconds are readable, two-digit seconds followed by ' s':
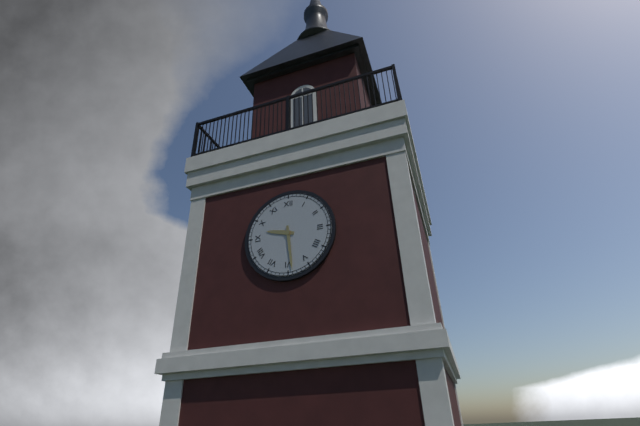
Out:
9 h 29 min
